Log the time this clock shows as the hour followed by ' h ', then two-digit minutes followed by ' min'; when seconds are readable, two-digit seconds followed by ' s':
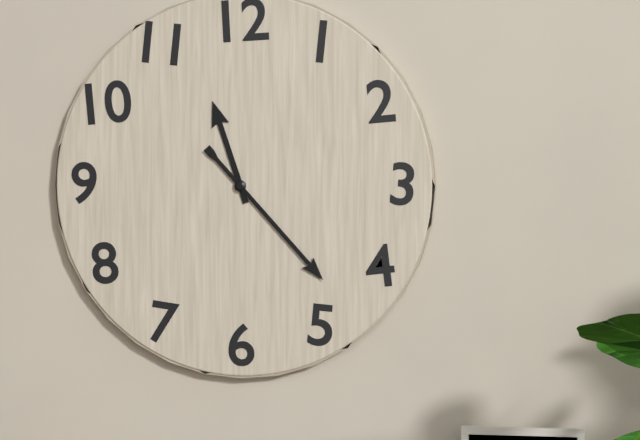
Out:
11 h 23 min
